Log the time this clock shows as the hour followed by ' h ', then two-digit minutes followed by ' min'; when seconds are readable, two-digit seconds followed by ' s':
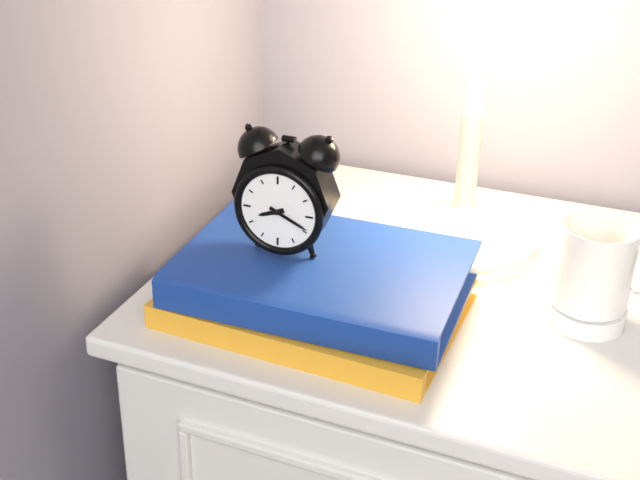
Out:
8 h 19 min
